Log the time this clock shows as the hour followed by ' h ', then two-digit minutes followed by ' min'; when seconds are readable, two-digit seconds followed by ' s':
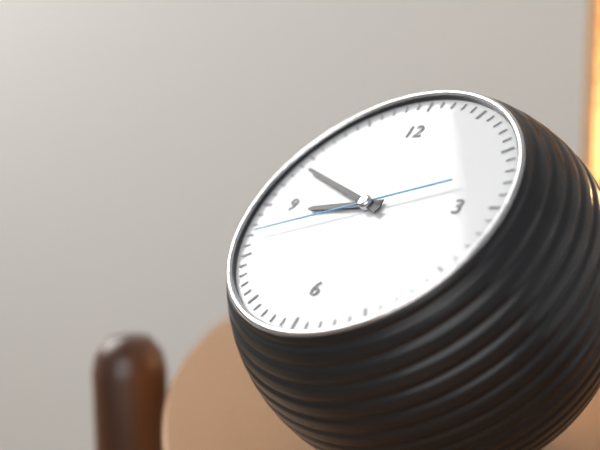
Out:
8 h 49 min 42 s
